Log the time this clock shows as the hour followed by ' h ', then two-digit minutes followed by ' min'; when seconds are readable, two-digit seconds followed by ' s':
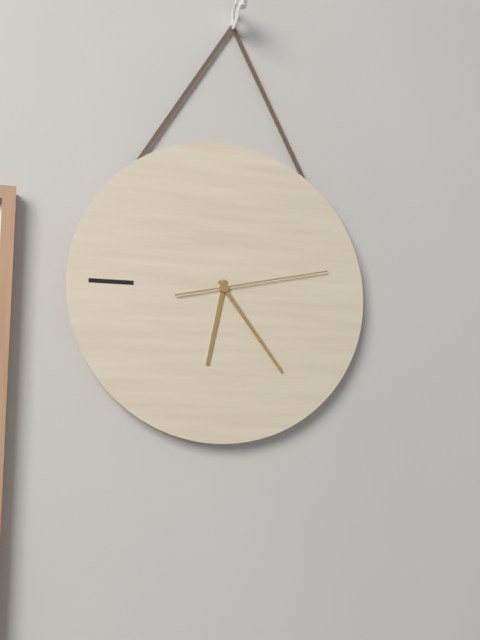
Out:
6 h 24 min 13 s
